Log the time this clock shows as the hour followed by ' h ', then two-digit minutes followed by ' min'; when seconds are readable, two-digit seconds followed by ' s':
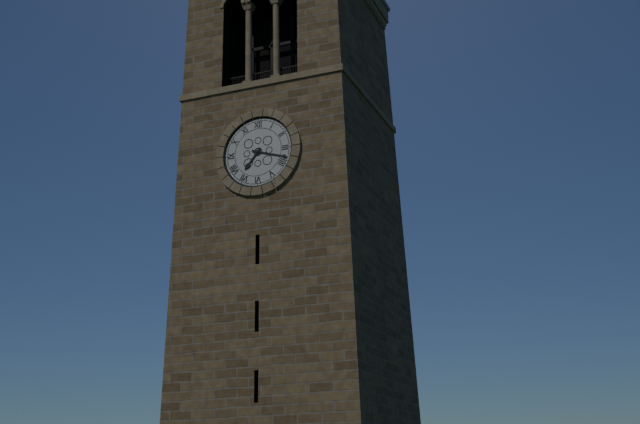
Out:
7 h 18 min
